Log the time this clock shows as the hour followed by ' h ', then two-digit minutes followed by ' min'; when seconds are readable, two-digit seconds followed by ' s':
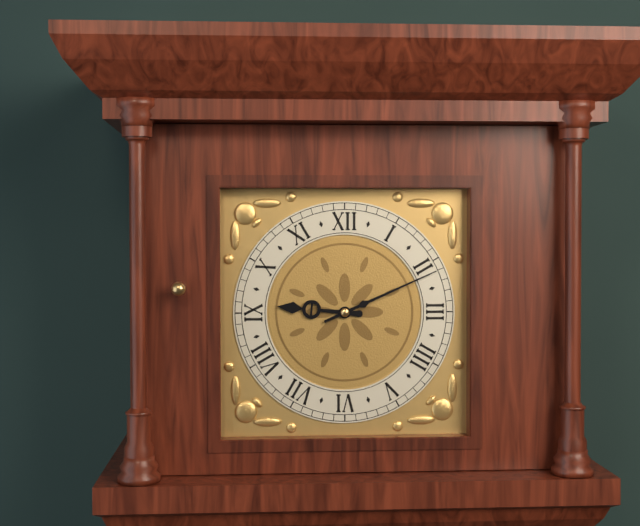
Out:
9 h 11 min
